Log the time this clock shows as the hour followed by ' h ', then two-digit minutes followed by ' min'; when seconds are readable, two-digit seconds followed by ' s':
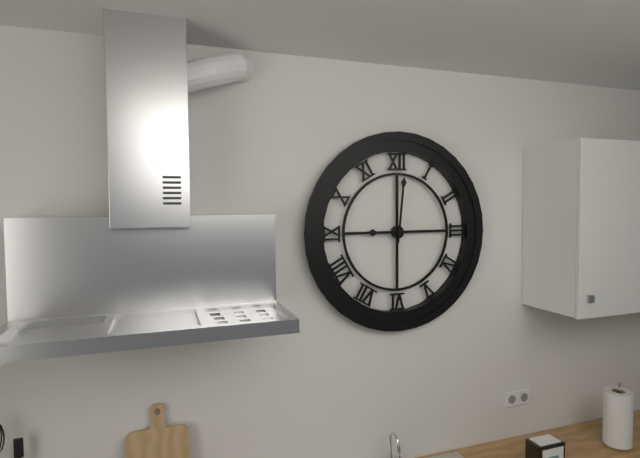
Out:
9 h 01 min
